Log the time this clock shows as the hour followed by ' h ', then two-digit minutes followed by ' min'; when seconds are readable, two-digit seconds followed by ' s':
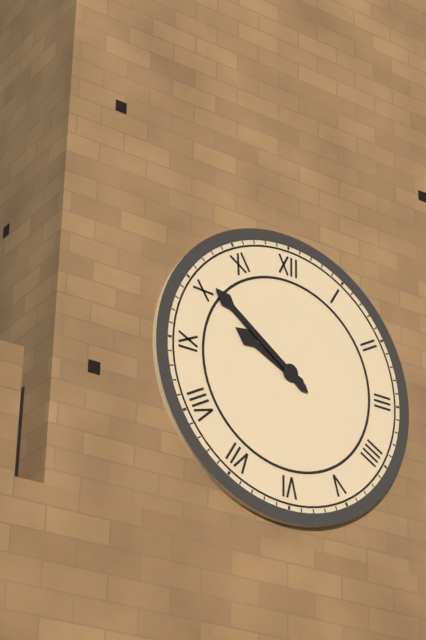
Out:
9 h 51 min
